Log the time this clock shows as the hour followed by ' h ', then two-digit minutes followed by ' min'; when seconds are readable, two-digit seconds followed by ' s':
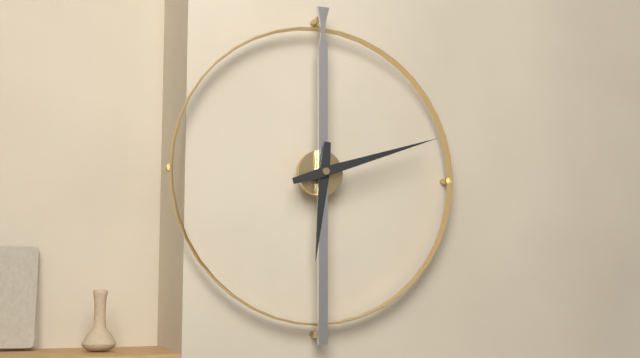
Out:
6 h 12 min
